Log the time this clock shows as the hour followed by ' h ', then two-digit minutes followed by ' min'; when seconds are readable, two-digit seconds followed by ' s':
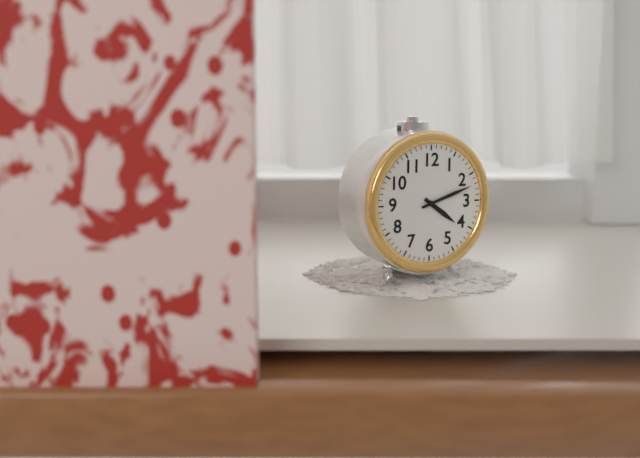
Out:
4 h 12 min
